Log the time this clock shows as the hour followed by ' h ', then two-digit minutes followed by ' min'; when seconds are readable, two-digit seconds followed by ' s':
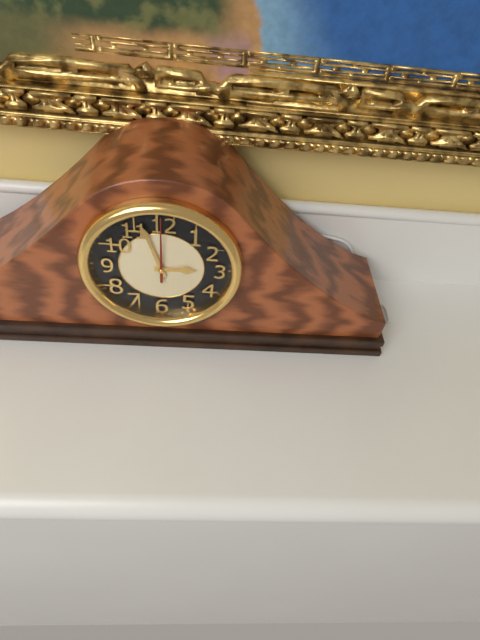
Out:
2 h 57 min 00 s
